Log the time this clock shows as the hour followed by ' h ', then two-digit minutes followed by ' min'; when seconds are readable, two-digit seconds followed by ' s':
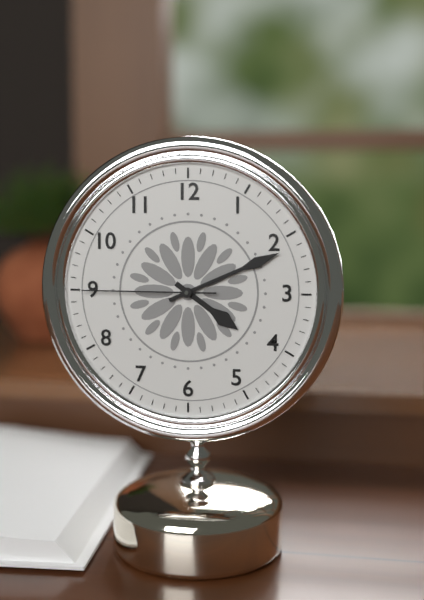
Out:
4 h 11 min 45 s
